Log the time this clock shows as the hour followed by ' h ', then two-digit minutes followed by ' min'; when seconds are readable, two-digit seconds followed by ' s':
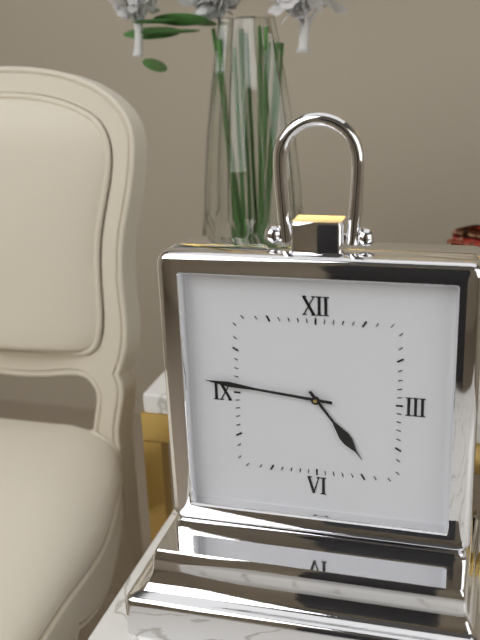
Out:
4 h 46 min
